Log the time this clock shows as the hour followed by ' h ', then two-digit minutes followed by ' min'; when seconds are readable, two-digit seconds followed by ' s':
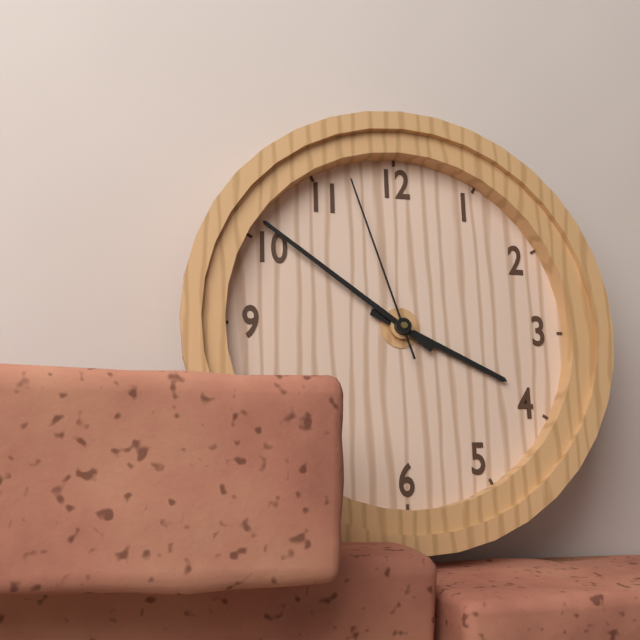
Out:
3 h 51 min 57 s
